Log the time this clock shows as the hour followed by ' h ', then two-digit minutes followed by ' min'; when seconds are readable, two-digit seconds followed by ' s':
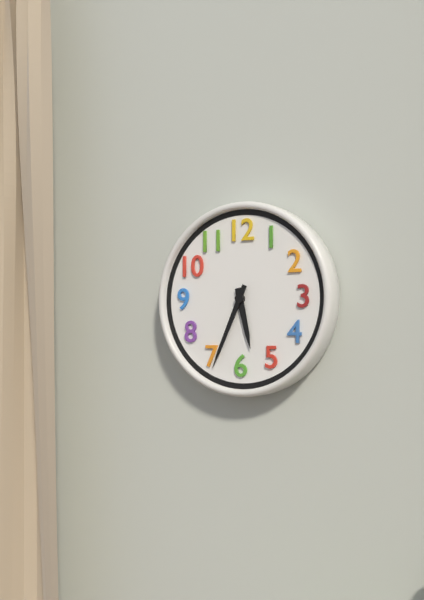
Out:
5 h 34 min
